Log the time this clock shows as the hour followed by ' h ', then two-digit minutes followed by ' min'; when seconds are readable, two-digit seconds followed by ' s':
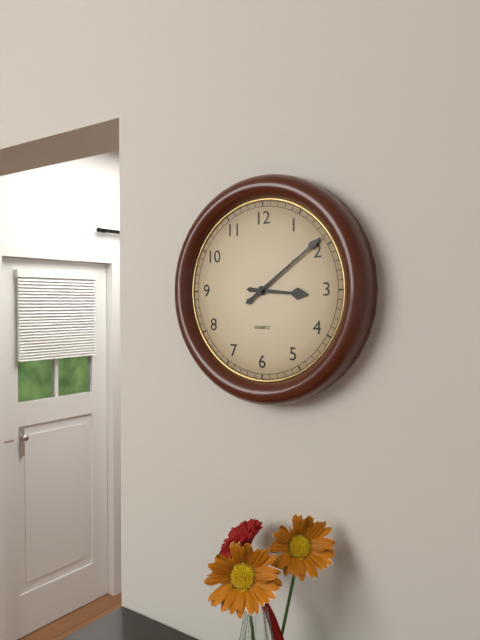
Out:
3 h 09 min
